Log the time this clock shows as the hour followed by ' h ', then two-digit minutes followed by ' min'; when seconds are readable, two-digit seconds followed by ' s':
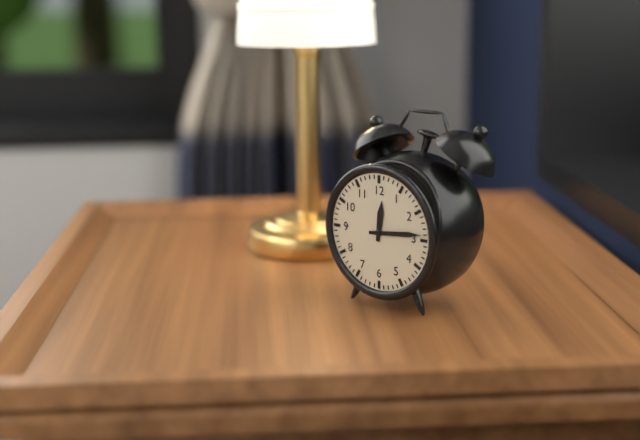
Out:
12 h 14 min
